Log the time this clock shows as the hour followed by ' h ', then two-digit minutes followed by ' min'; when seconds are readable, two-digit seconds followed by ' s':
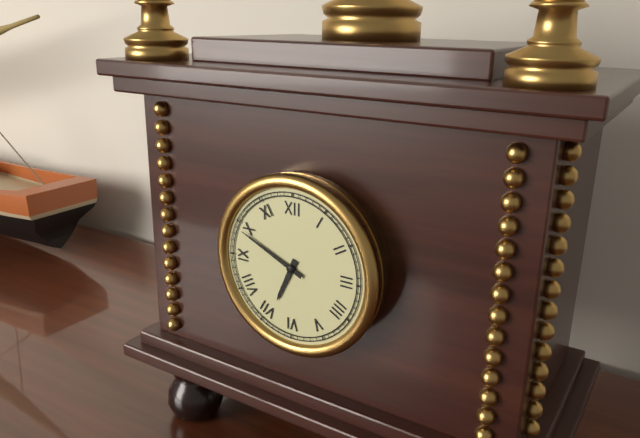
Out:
6 h 49 min
